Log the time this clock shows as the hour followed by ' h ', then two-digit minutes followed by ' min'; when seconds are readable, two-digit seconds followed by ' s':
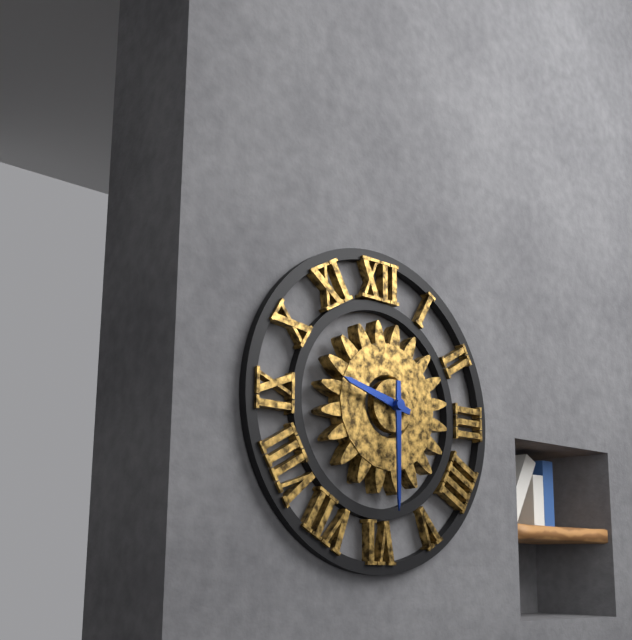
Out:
9 h 30 min
